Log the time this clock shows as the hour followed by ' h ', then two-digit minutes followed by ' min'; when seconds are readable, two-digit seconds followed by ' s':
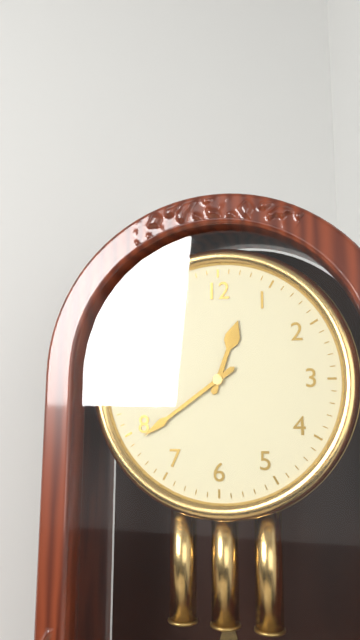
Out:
12 h 39 min
